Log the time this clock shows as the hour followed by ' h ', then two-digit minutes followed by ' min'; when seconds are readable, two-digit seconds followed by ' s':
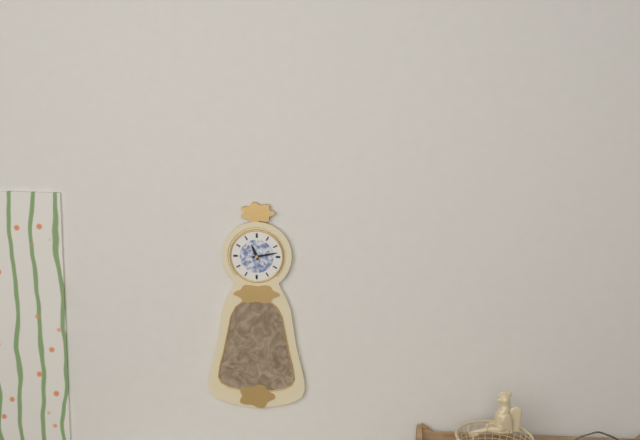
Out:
11 h 13 min
